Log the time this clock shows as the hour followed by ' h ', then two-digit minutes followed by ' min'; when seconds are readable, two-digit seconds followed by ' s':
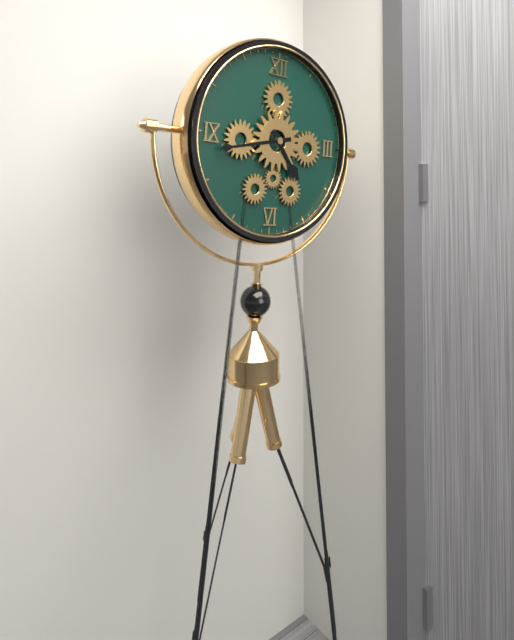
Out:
4 h 43 min
